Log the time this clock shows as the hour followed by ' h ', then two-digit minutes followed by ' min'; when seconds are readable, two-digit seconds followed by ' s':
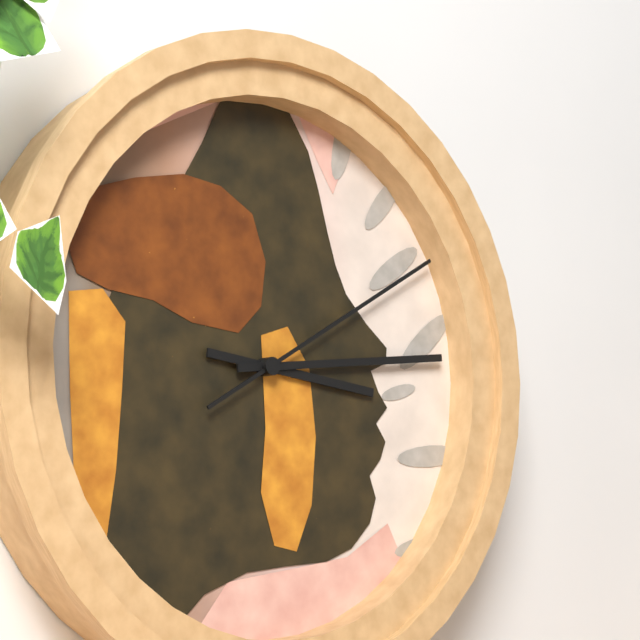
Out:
3 h 14 min 10 s
